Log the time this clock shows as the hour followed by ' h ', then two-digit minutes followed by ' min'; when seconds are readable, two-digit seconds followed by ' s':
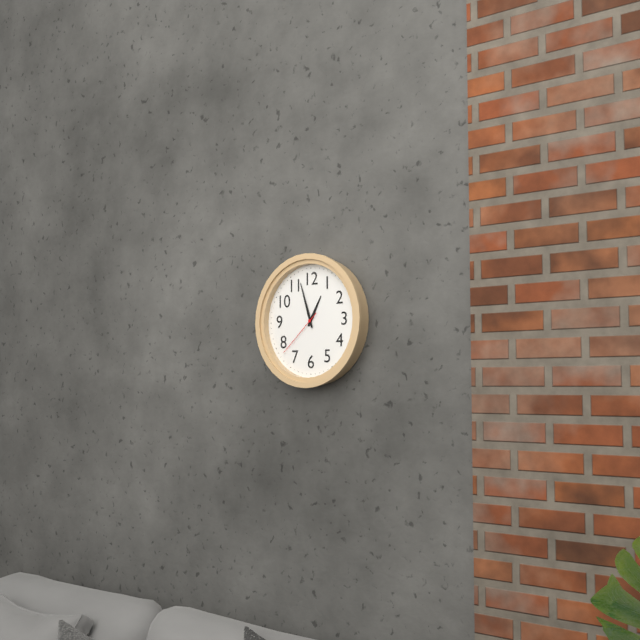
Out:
12 h 57 min 38 s
